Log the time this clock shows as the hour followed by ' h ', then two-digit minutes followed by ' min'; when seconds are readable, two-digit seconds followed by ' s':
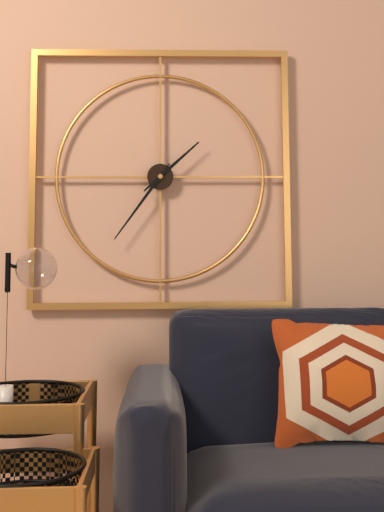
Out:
1 h 36 min
